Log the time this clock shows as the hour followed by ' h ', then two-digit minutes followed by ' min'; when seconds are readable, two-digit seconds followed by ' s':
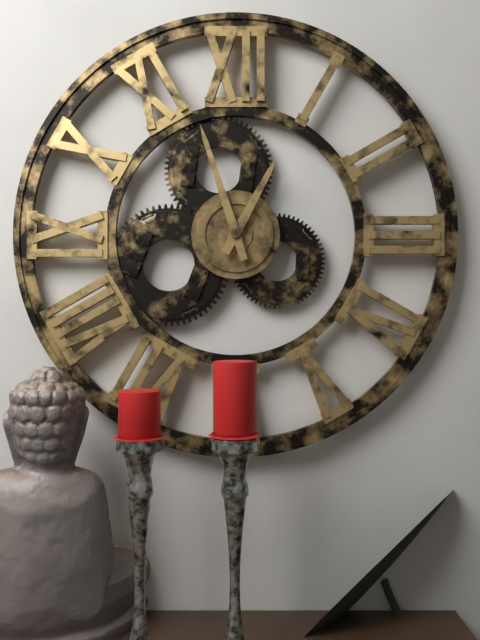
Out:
12 h 57 min
